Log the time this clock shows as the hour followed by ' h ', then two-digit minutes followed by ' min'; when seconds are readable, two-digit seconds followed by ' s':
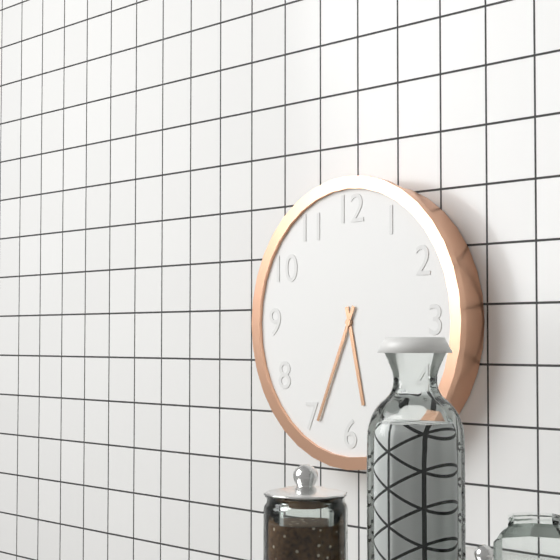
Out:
5 h 34 min
